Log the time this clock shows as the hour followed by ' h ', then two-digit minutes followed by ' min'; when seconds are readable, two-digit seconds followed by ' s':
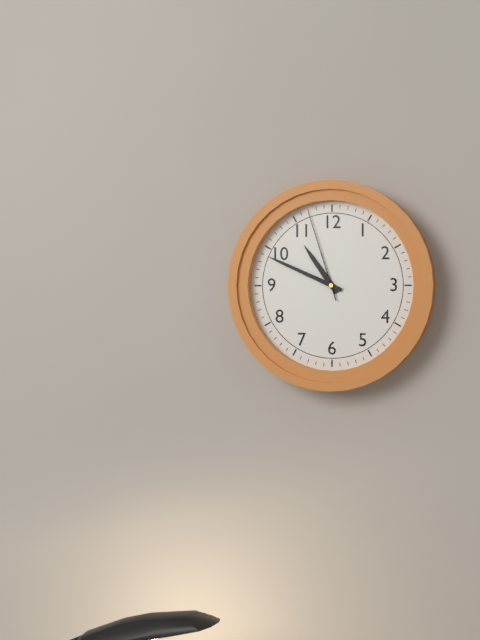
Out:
10 h 49 min 57 s
